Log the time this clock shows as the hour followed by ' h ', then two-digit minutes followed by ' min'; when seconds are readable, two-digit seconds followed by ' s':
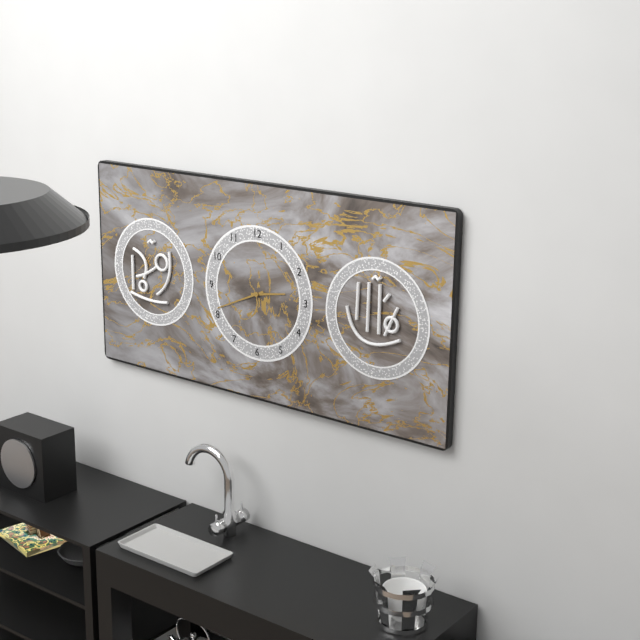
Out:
2 h 41 min
